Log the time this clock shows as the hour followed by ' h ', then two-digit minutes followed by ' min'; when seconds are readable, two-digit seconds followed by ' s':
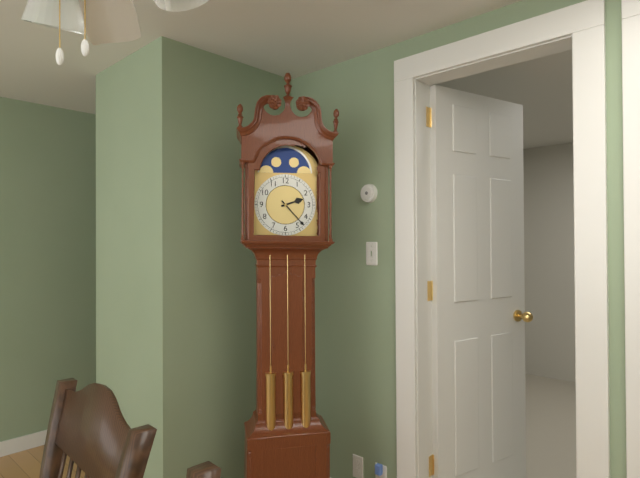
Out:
2 h 23 min
